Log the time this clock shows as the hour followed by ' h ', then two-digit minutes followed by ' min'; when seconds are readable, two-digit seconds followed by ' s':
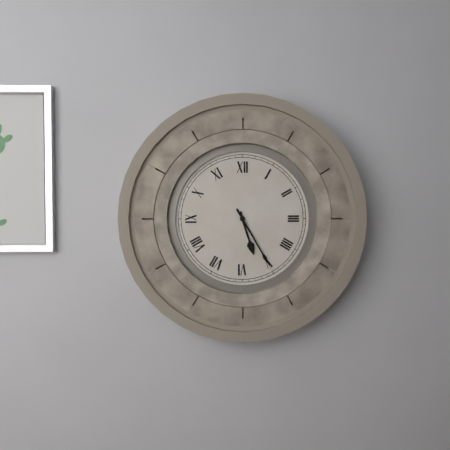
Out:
5 h 25 min
